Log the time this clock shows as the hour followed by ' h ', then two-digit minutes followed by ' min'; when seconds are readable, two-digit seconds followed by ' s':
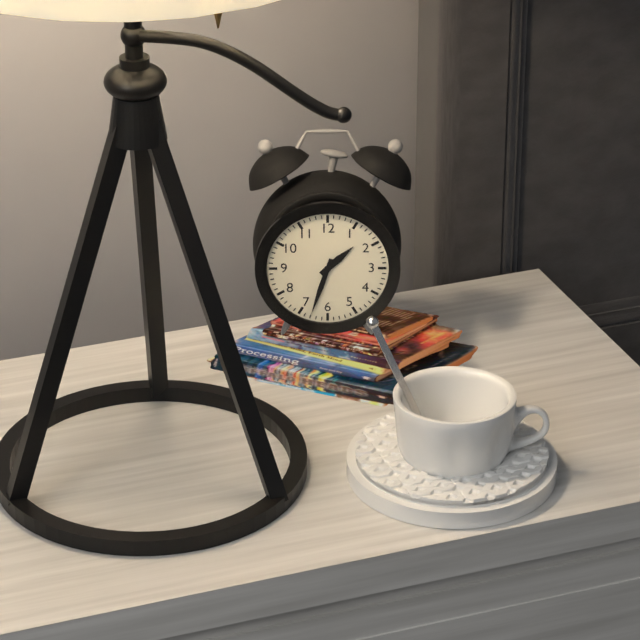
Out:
1 h 33 min
